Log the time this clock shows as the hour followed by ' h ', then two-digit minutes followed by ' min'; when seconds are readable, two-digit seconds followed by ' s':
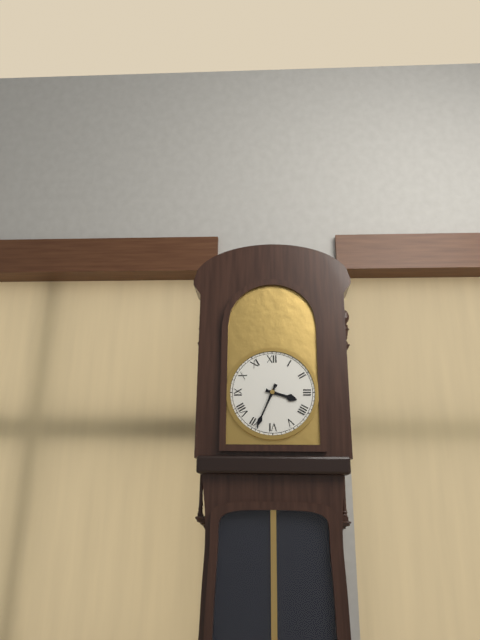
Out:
3 h 34 min
